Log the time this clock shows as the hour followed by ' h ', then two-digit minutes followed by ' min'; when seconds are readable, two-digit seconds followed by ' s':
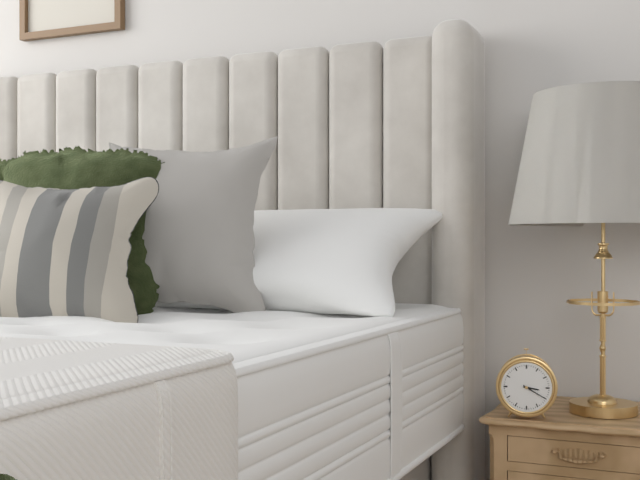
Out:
3 h 20 min
